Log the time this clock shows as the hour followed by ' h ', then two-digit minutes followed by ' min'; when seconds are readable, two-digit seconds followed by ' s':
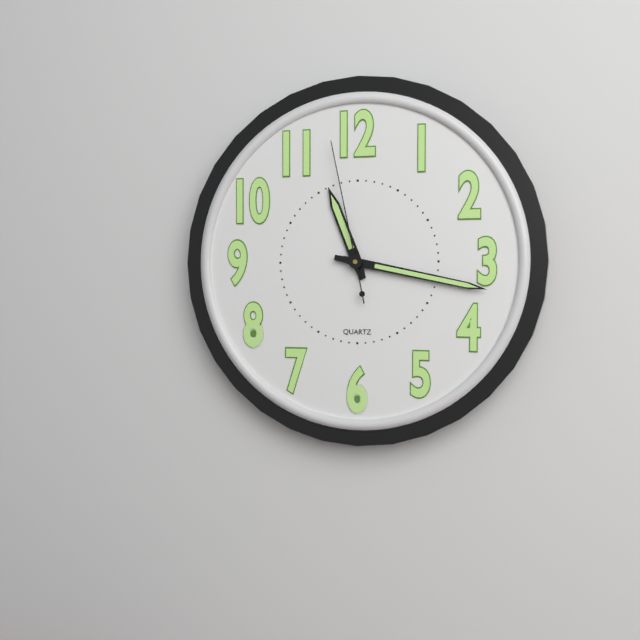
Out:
11 h 17 min 58 s
